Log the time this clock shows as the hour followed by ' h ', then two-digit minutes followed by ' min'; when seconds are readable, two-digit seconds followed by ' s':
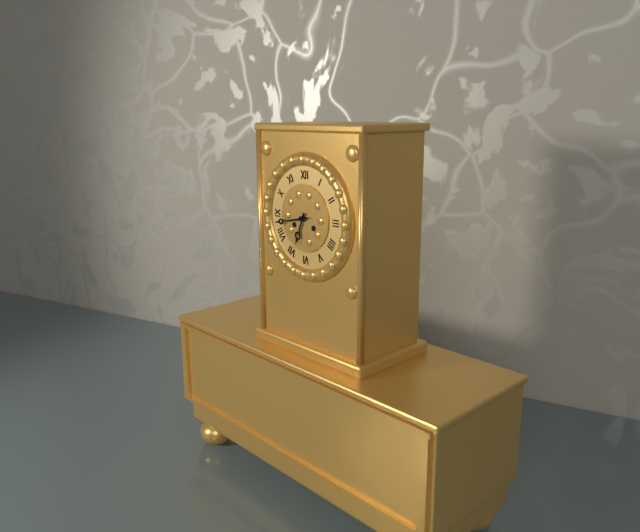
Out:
6 h 43 min
